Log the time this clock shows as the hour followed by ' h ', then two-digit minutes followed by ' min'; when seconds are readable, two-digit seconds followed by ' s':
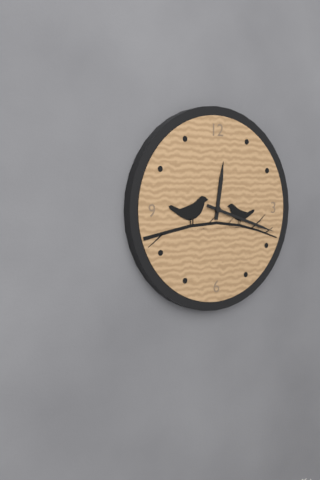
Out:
12 h 18 min
